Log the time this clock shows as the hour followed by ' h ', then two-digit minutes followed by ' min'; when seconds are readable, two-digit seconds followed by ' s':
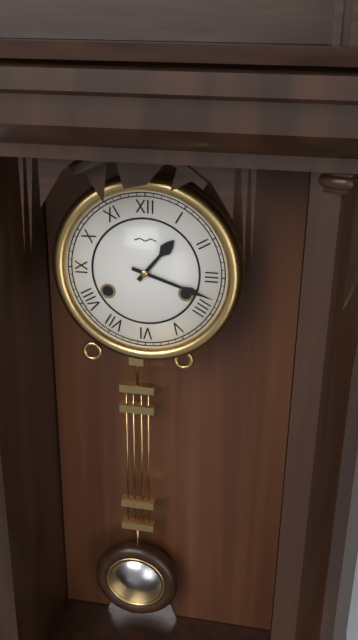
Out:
1 h 18 min
